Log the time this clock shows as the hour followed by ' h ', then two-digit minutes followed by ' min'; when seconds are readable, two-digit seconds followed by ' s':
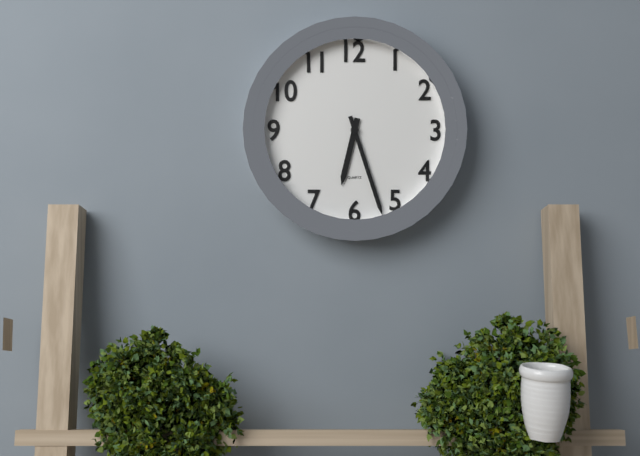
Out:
6 h 27 min
